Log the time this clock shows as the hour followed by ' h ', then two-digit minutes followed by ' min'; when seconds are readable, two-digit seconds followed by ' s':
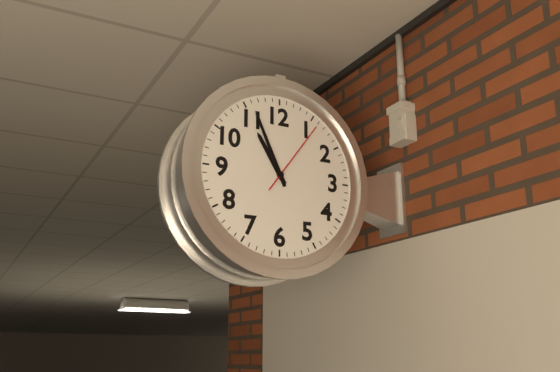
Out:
10 h 56 min 06 s
